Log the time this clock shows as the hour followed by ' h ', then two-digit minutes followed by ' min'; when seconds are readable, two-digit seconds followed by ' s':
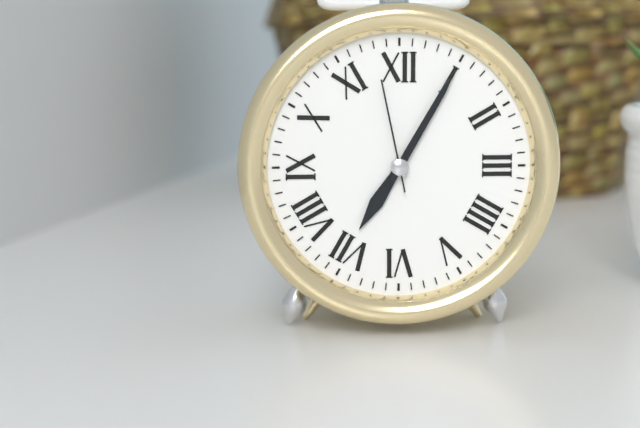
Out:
7 h 05 min 58 s
